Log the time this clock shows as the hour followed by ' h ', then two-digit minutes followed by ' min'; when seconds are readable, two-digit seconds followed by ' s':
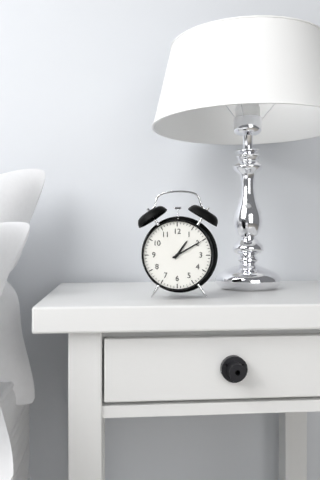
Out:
1 h 10 min
